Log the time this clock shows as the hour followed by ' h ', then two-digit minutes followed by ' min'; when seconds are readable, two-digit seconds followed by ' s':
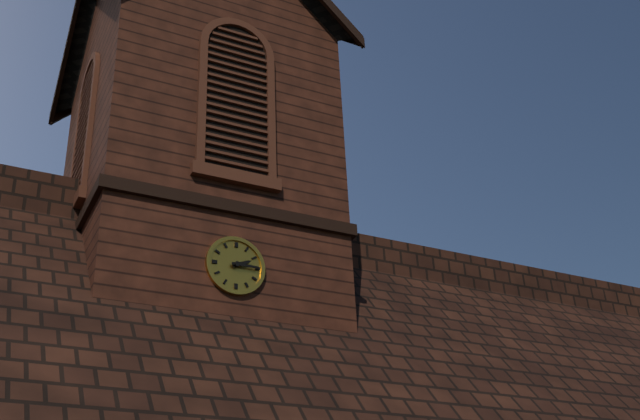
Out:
2 h 15 min
